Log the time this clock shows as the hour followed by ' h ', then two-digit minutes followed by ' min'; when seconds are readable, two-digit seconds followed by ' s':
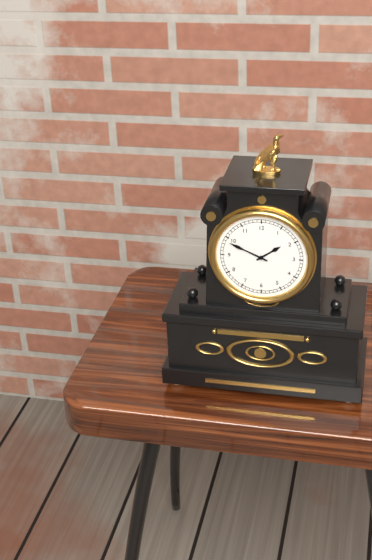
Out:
1 h 49 min
